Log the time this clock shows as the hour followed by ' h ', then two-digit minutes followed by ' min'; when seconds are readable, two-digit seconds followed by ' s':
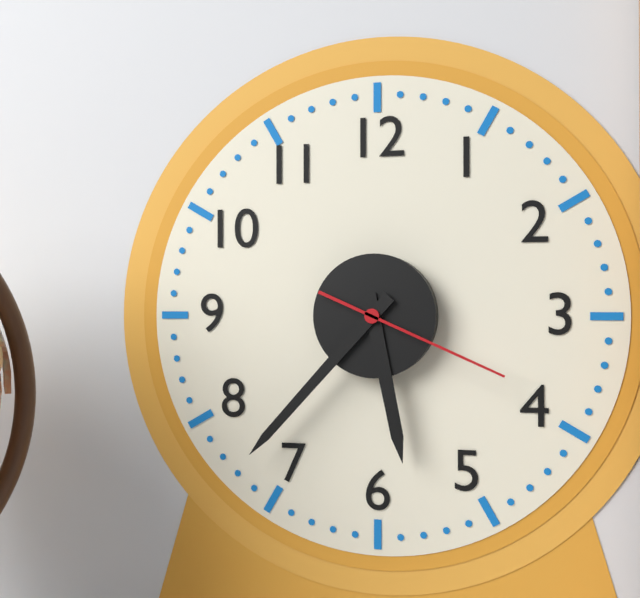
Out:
5 h 37 min 19 s
